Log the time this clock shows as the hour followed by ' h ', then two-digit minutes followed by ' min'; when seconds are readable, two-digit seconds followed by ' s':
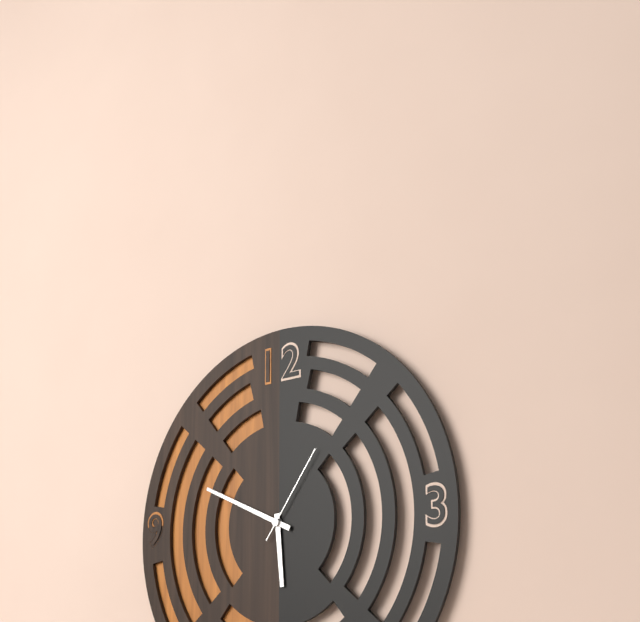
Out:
5 h 49 min 06 s
